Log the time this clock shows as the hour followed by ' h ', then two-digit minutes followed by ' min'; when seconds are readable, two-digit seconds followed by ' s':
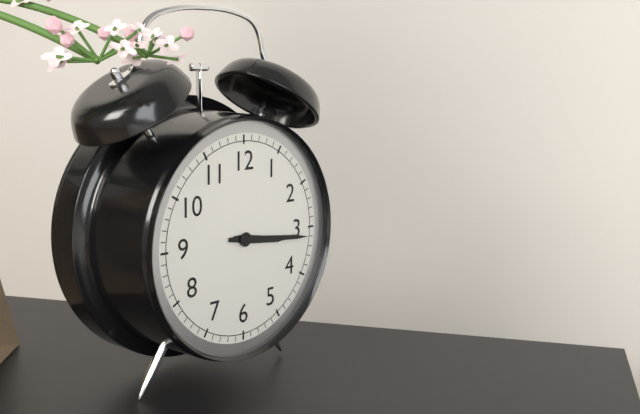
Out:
3 h 16 min
